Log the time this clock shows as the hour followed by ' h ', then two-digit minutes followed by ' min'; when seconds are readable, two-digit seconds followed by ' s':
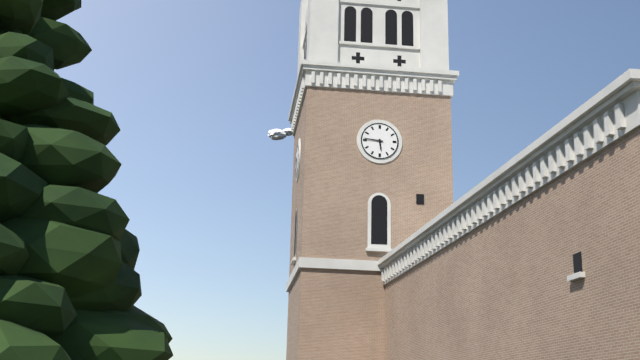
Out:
5 h 46 min
